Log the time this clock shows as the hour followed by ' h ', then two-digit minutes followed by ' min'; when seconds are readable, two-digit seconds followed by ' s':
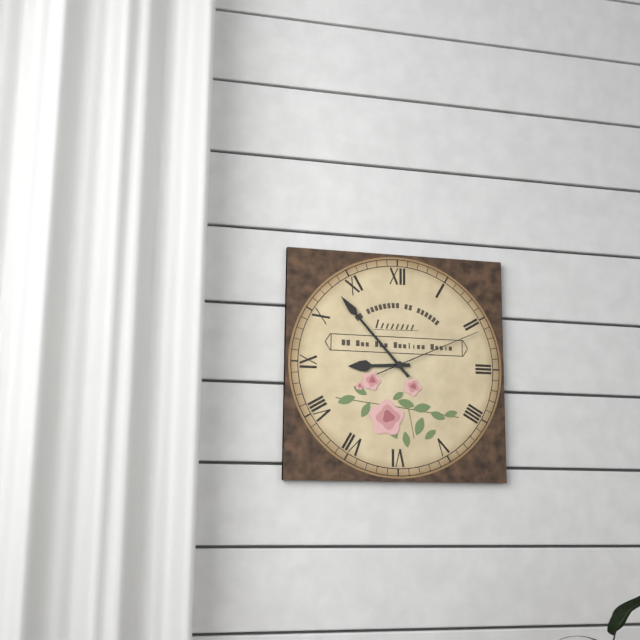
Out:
8 h 53 min 11 s
